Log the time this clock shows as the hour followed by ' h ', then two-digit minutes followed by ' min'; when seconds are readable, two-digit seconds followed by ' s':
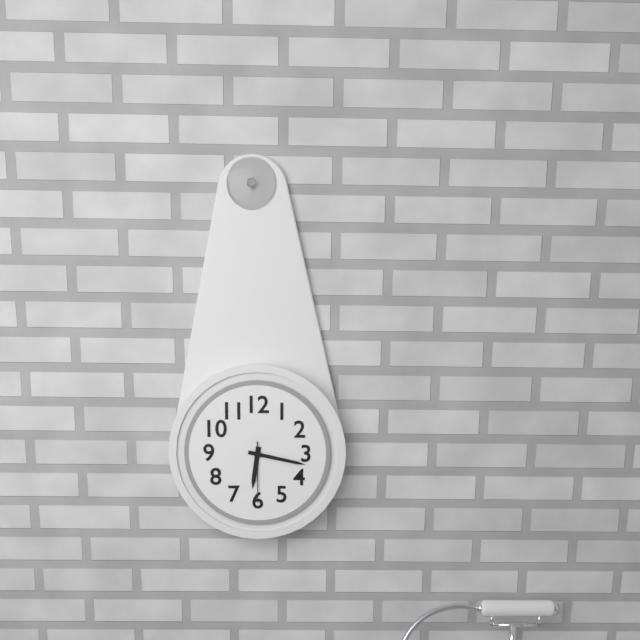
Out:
6 h 17 min 30 s
